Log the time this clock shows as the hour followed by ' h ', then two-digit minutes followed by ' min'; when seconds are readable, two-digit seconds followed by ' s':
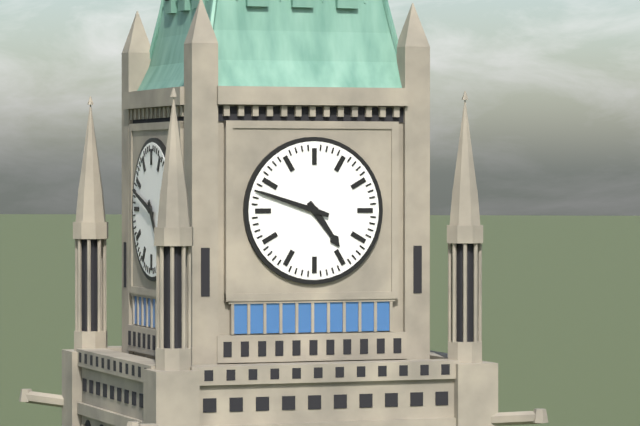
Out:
4 h 48 min
